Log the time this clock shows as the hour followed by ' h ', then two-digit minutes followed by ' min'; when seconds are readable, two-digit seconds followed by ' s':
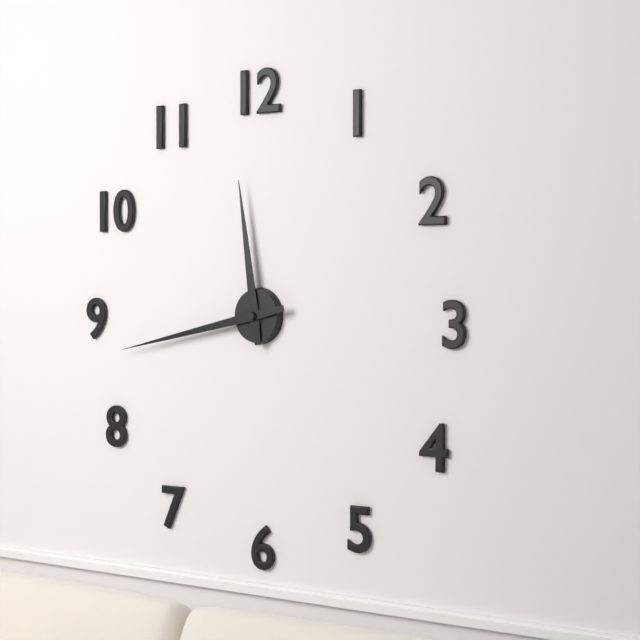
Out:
11 h 43 min
